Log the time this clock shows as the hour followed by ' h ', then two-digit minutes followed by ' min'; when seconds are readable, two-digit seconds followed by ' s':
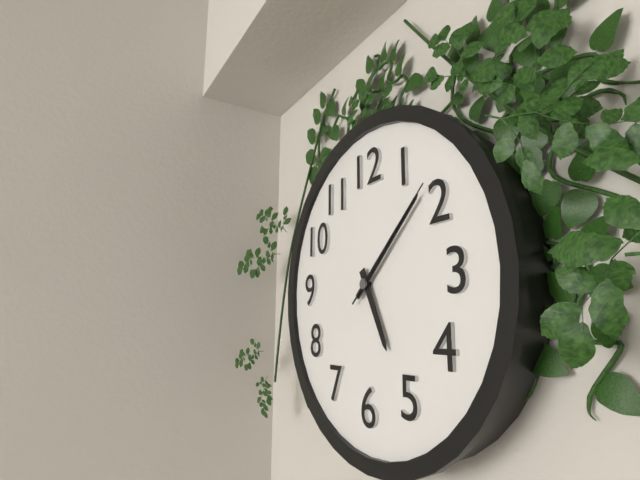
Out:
5 h 08 min 08 s
